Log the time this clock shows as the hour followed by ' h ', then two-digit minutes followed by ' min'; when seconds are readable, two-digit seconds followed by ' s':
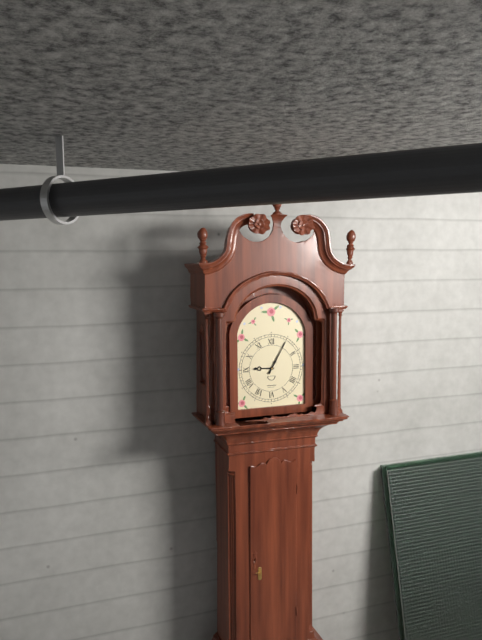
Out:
9 h 05 min
